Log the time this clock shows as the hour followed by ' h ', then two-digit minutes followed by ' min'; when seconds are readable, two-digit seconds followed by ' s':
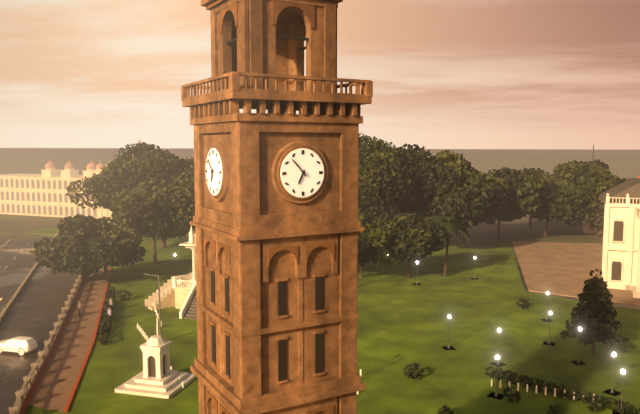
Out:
6 h 53 min
